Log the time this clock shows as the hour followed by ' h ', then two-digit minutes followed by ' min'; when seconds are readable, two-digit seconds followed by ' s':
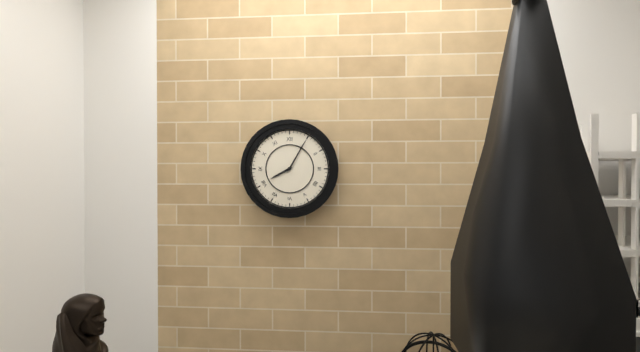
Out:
8 h 05 min
